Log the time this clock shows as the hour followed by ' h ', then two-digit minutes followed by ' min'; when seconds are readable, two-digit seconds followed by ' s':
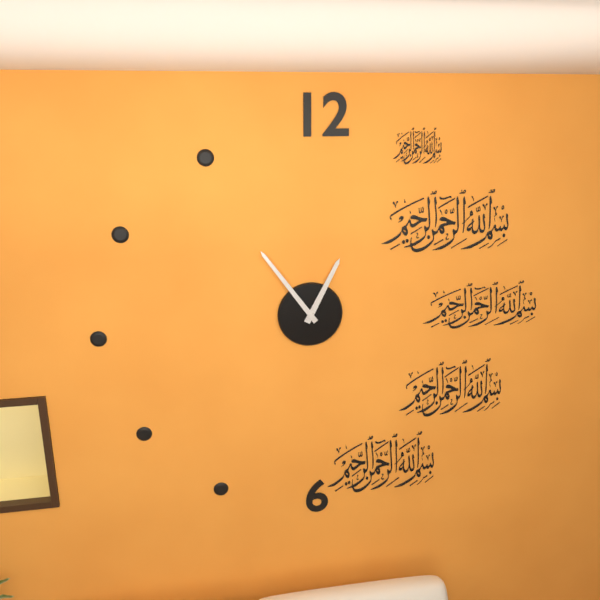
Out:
12 h 54 min
